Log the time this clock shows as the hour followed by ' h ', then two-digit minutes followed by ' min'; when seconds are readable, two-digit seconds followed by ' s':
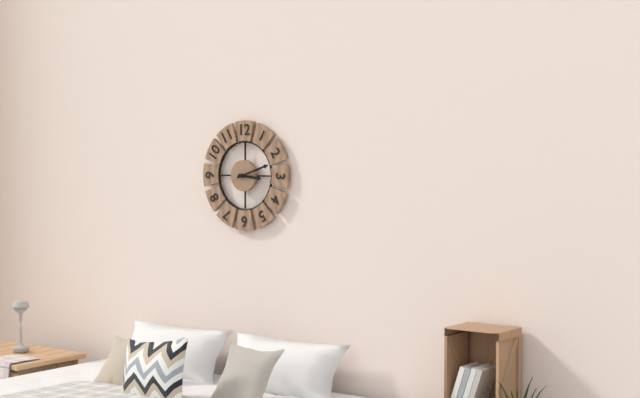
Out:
3 h 12 min
